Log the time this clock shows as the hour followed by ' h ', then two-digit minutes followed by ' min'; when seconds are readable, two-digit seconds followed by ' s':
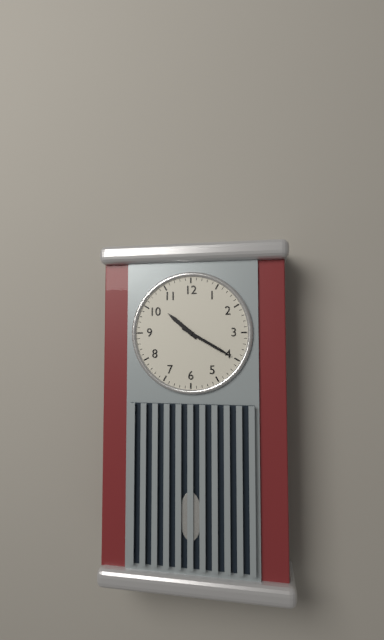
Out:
10 h 20 min
